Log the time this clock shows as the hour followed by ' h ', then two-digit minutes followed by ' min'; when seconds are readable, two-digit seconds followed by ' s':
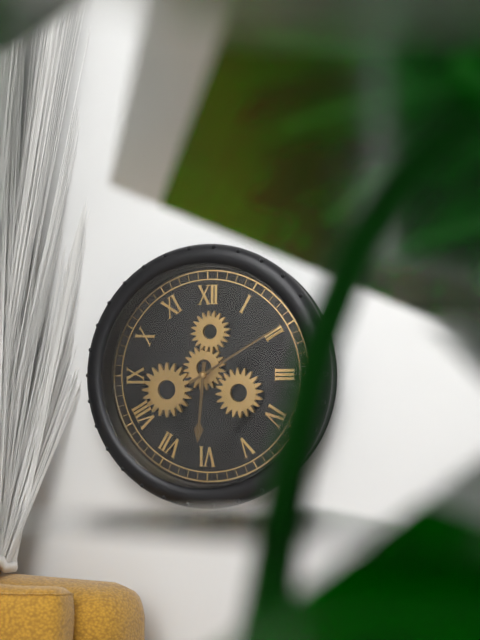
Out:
6 h 10 min
